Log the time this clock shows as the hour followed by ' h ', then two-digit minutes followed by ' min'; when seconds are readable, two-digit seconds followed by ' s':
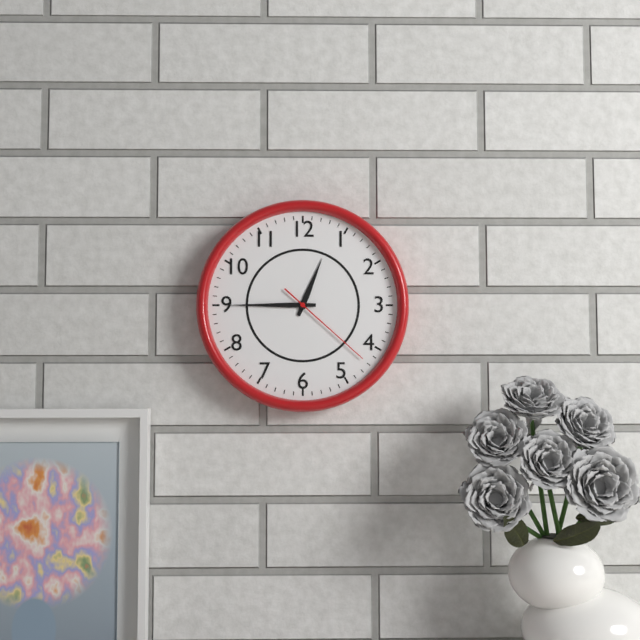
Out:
12 h 45 min 22 s
